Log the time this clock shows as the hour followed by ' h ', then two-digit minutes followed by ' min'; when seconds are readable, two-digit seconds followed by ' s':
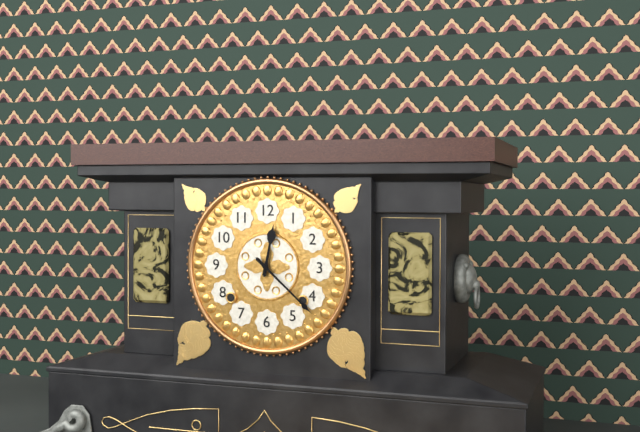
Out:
12 h 22 min
